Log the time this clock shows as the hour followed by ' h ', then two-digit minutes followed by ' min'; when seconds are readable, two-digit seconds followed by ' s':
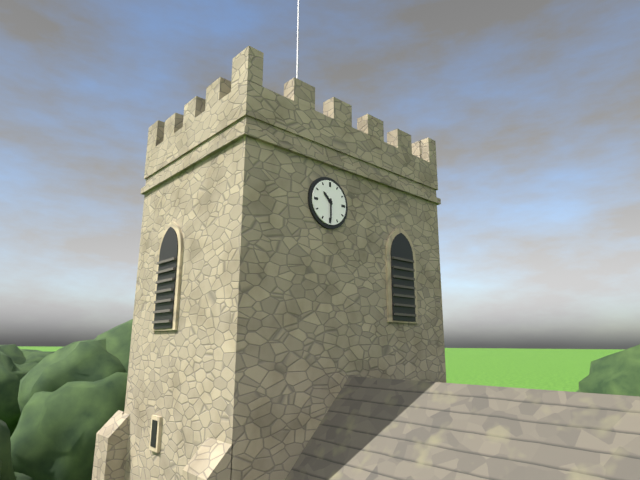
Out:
10 h 30 min
